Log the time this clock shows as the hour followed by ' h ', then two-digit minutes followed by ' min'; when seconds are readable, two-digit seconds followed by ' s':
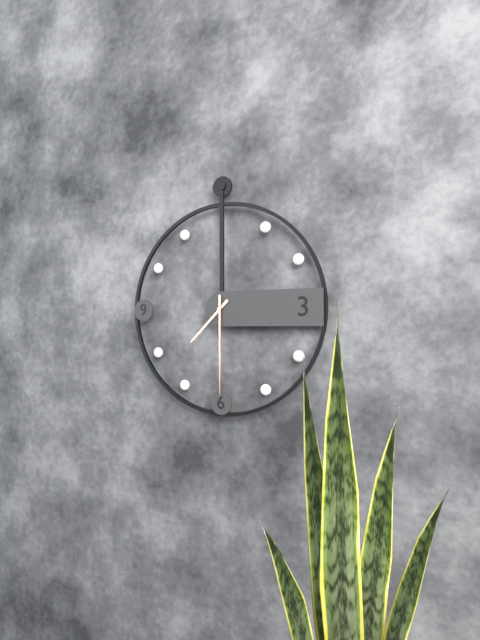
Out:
7 h 30 min
